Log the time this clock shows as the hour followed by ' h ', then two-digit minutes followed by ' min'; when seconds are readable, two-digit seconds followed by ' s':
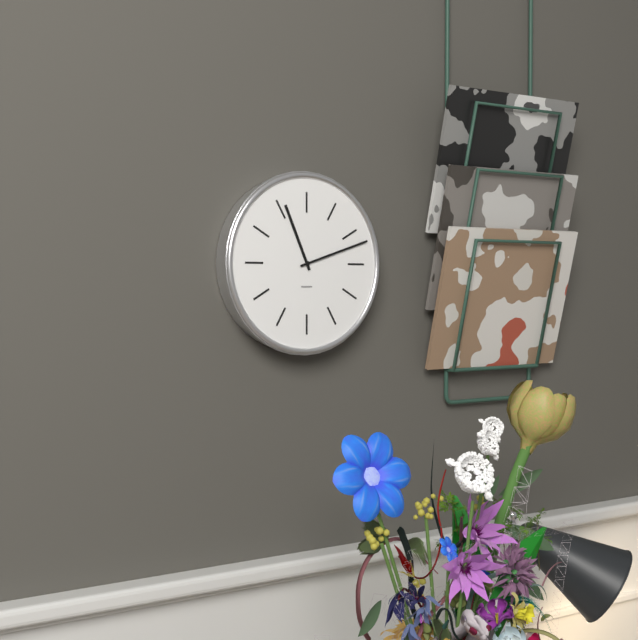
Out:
11 h 12 min
